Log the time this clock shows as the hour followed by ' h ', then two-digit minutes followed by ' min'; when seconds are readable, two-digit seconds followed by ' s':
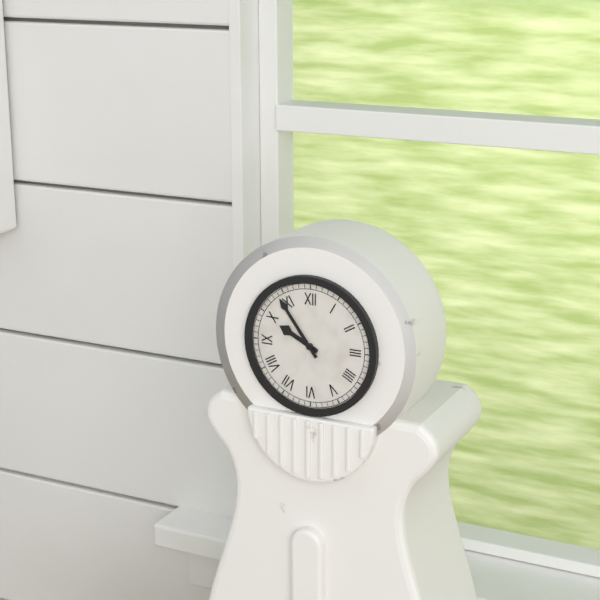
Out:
9 h 54 min
